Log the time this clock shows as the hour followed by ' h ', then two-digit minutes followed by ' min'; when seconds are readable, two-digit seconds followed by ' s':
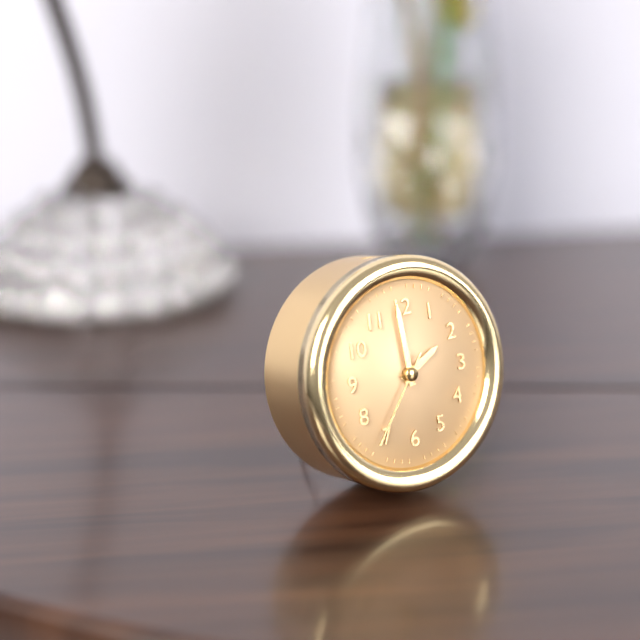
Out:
1 h 59 min 36 s
